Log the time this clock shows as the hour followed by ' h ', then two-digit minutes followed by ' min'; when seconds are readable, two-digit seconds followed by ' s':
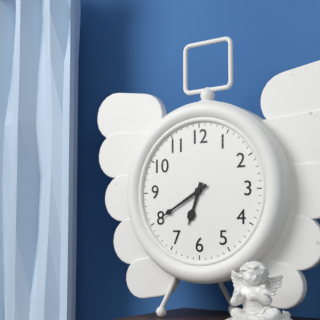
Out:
6 h 40 min
